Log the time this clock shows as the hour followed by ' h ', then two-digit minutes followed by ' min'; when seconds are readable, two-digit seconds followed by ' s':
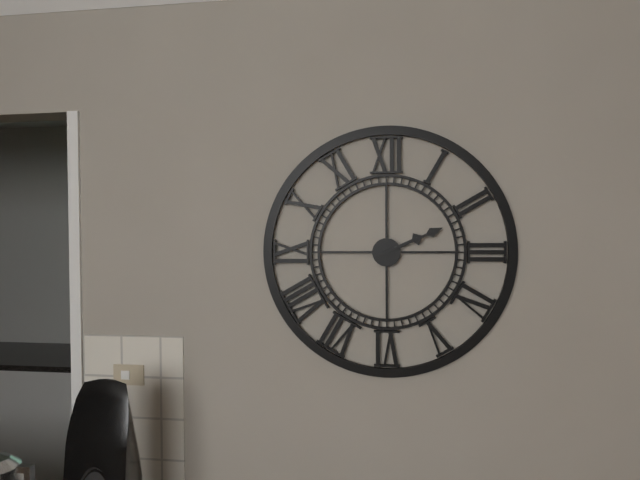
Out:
2 h 11 min
